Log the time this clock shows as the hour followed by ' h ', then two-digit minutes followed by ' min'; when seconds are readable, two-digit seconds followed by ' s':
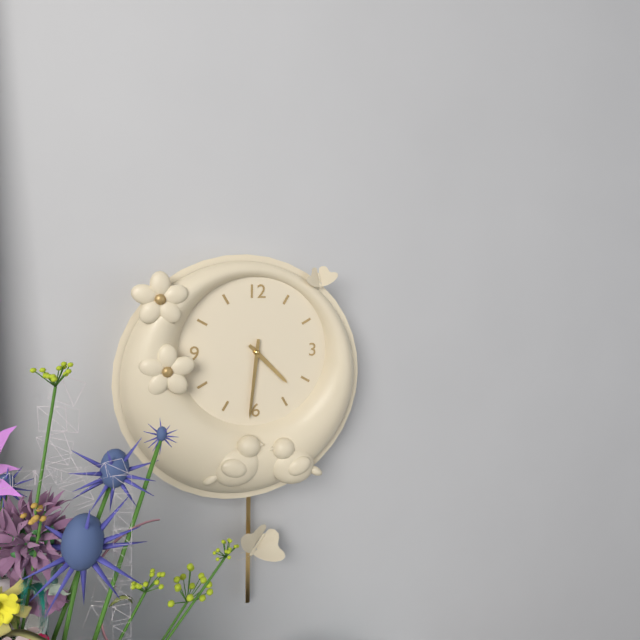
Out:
4 h 31 min
